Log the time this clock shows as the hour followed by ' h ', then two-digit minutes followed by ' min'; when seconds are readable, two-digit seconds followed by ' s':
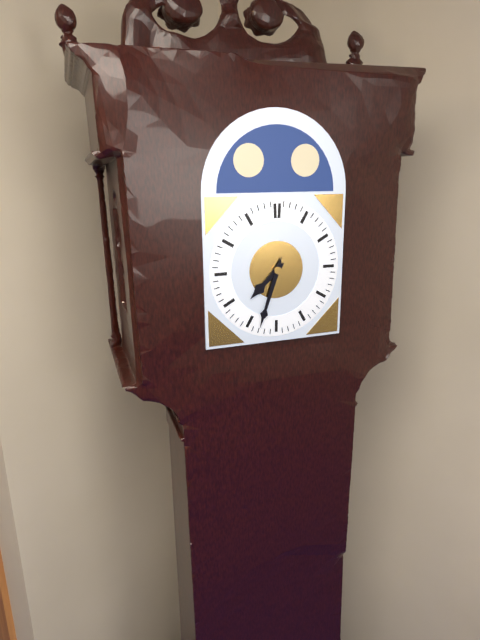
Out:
7 h 33 min
